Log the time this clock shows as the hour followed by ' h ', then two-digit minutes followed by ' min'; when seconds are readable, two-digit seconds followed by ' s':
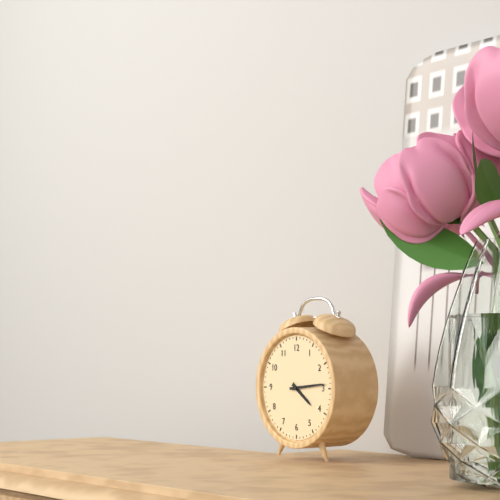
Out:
4 h 14 min
